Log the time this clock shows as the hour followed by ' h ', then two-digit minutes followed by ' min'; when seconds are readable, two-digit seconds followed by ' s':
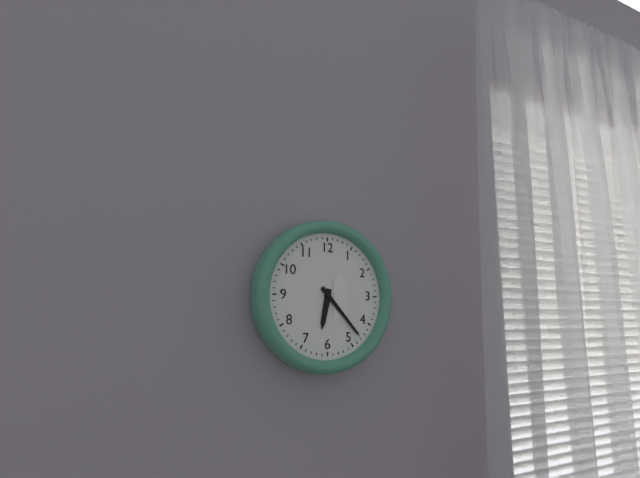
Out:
6 h 23 min
